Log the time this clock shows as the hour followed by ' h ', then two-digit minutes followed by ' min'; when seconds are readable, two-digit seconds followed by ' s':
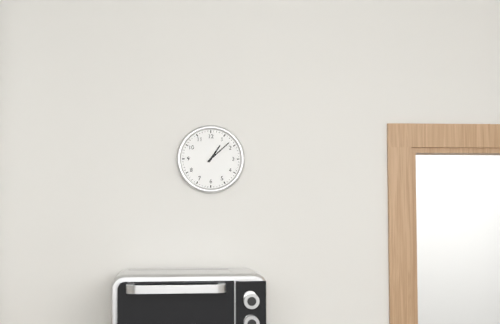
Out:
1 h 08 min
